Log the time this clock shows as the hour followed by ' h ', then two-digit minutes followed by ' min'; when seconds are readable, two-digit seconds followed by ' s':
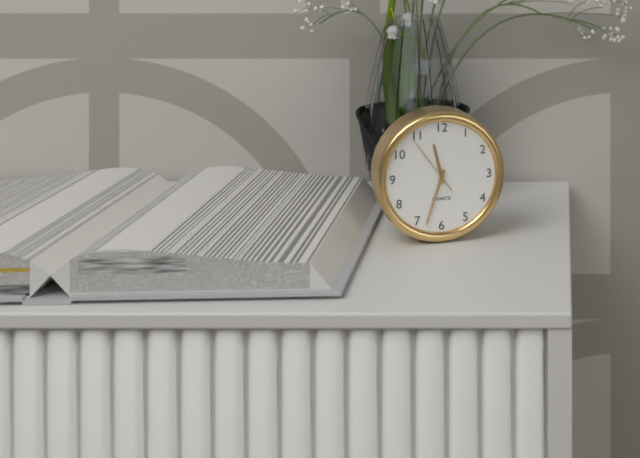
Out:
11 h 33 min 54 s
